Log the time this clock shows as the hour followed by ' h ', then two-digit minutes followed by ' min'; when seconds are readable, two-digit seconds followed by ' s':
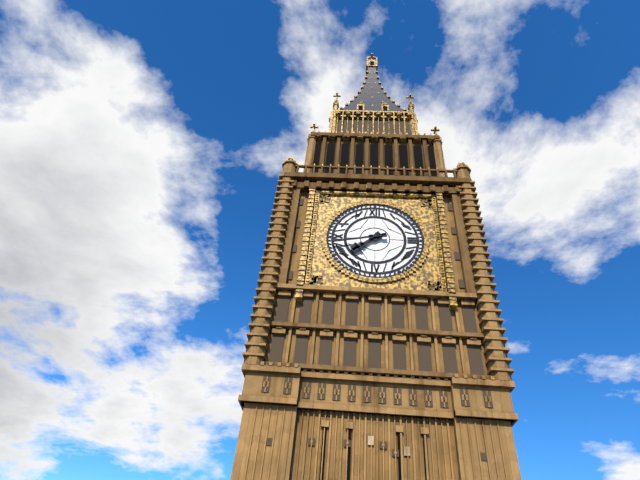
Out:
7 h 43 min
